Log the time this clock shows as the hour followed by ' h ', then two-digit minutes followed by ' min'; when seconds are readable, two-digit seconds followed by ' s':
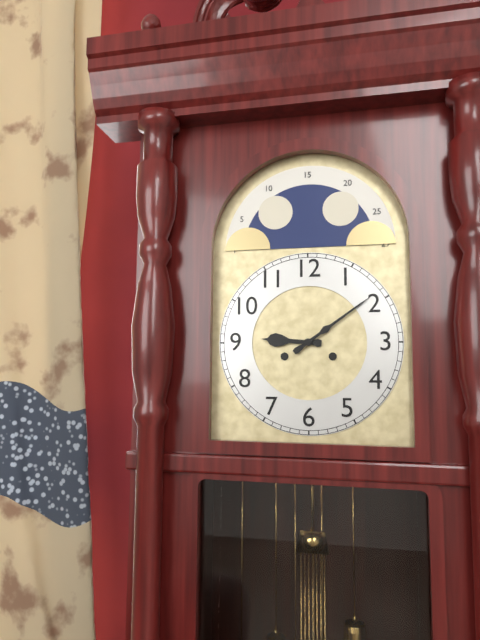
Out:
9 h 09 min
